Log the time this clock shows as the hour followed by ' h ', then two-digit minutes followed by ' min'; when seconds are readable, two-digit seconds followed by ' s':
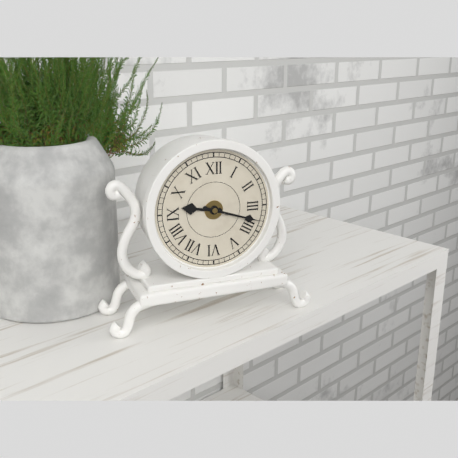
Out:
9 h 18 min
